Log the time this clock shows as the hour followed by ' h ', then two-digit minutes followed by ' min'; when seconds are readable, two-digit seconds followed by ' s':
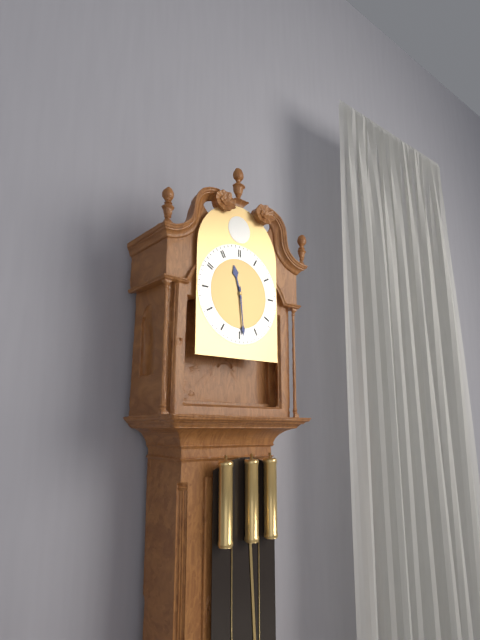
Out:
11 h 29 min
